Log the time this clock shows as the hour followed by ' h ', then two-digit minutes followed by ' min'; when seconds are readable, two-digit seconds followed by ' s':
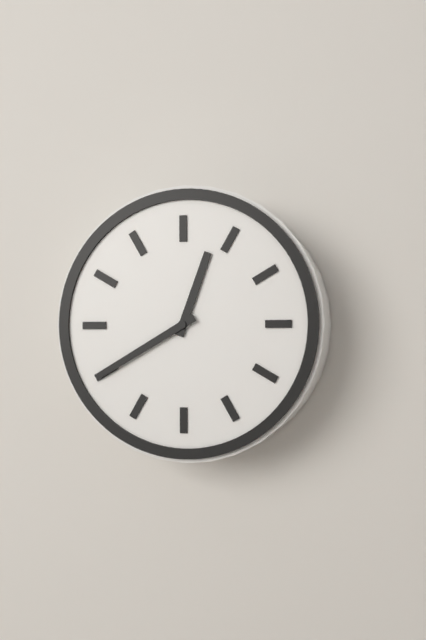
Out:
12 h 40 min
